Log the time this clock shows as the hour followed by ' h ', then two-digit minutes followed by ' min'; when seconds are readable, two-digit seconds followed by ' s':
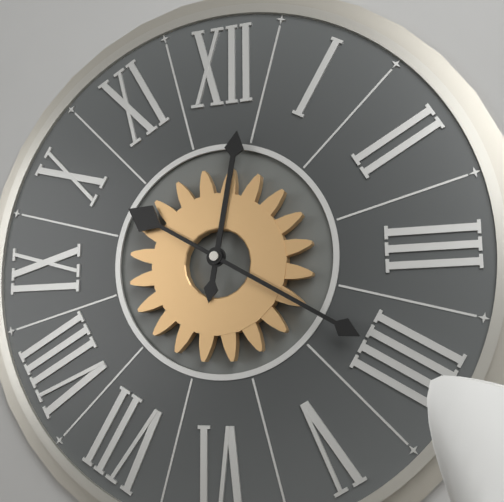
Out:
12 h 20 min
